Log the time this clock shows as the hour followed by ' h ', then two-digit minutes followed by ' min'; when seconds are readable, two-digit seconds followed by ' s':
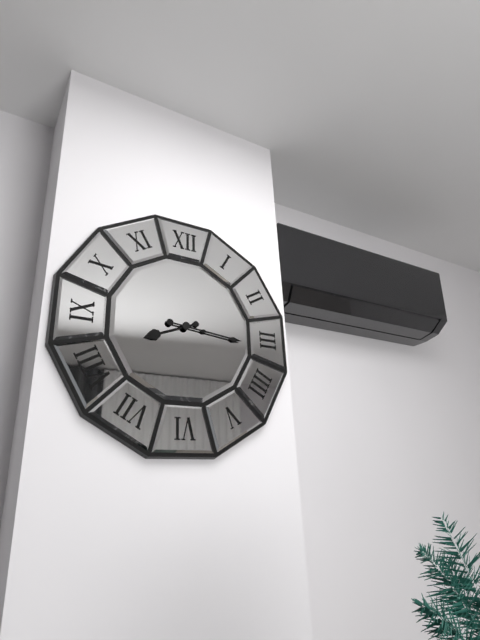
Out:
8 h 16 min
